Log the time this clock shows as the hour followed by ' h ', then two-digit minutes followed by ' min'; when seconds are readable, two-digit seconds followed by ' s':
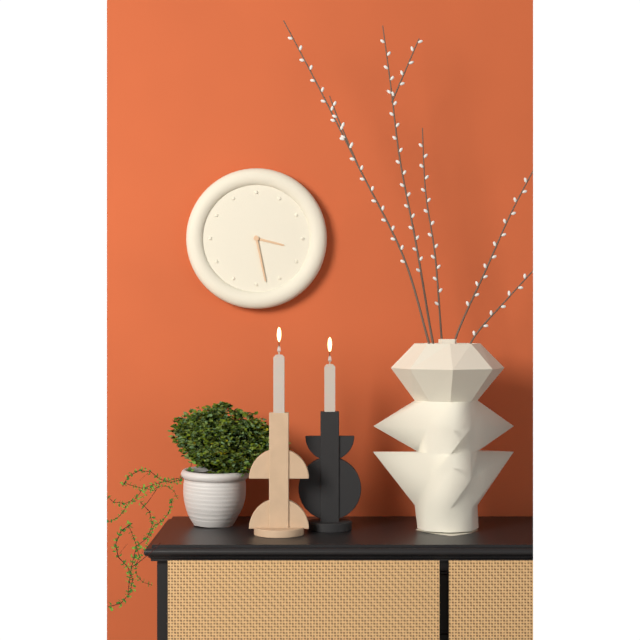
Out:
3 h 28 min
